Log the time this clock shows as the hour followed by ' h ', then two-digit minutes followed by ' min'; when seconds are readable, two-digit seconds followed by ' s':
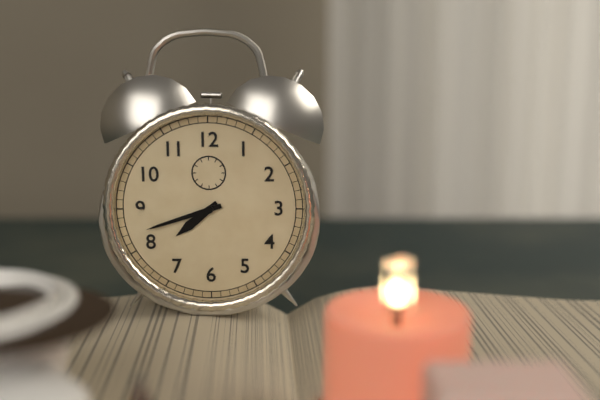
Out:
7 h 42 min
